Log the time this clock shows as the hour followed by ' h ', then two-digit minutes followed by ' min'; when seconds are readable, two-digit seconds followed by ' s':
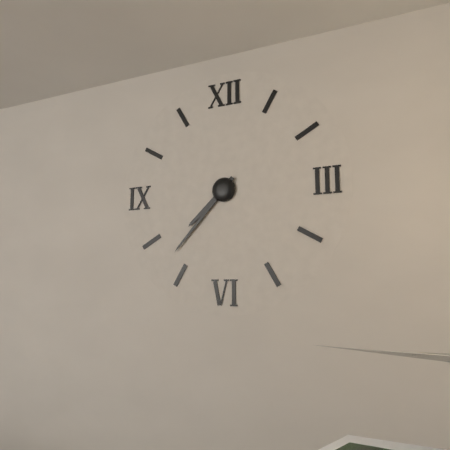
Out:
7 h 37 min
